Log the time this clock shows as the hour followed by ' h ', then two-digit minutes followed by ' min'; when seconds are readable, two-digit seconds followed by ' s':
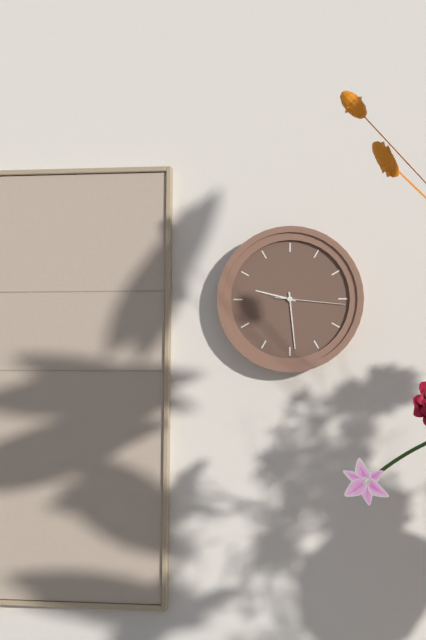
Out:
9 h 29 min 16 s
